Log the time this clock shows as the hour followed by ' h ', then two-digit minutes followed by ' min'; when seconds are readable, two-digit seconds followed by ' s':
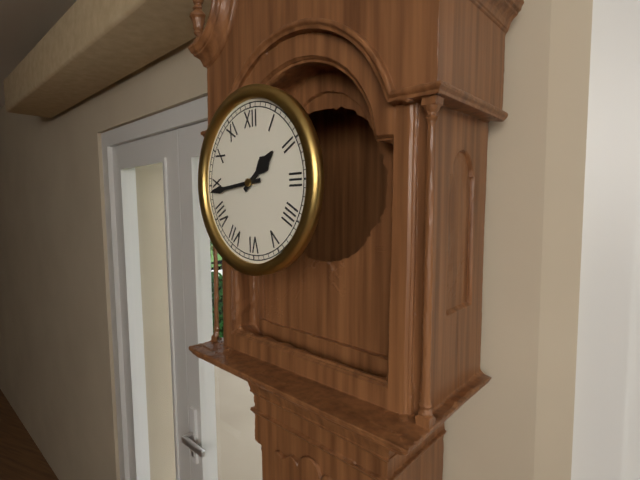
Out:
1 h 44 min
